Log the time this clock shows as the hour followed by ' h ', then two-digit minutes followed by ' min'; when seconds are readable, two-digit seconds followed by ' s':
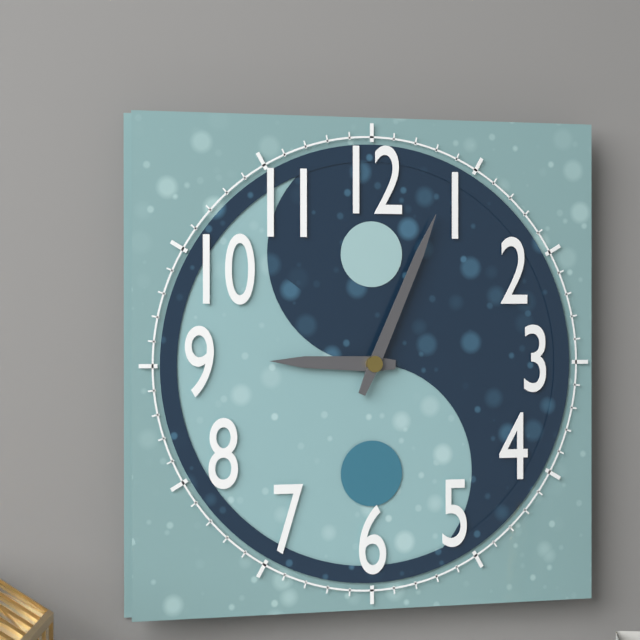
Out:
9 h 04 min
